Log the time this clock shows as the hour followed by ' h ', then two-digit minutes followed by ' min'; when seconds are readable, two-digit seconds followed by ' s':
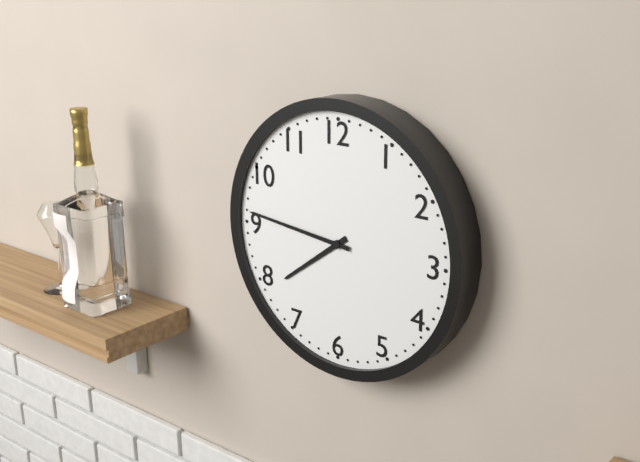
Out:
7 h 46 min
